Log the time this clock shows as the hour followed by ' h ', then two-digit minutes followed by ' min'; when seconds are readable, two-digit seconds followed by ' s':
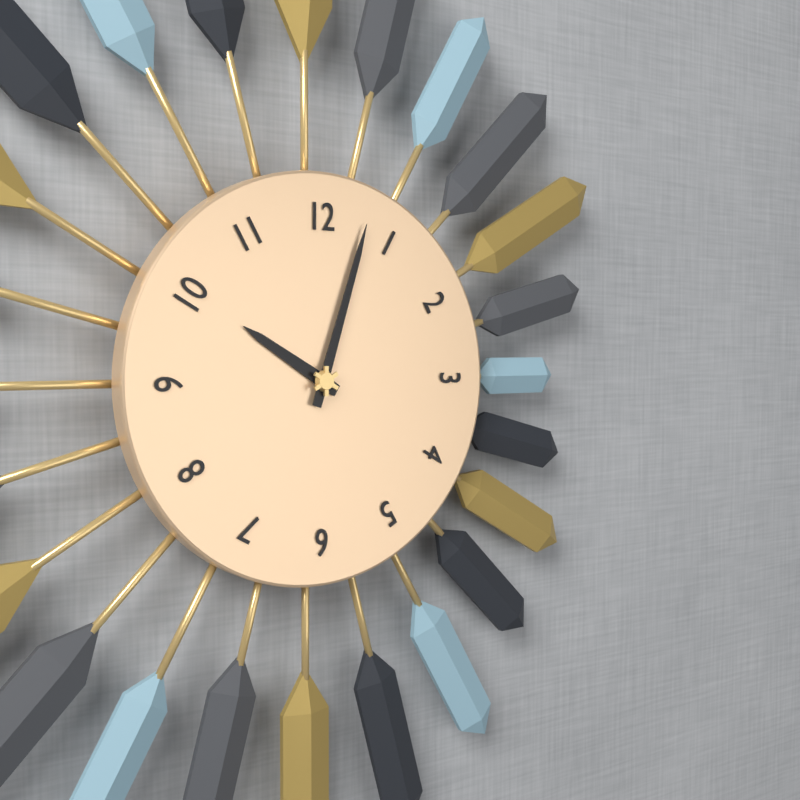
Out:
10 h 03 min
